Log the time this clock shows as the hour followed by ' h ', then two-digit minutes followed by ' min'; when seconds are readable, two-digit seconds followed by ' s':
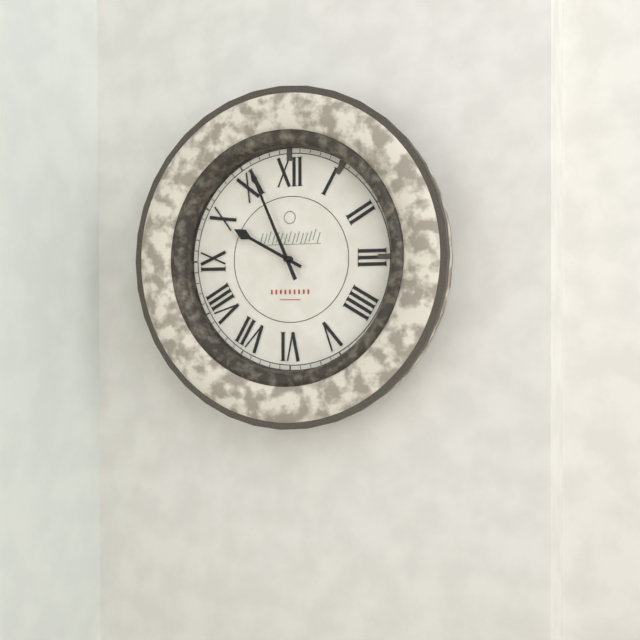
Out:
9 h 56 min
